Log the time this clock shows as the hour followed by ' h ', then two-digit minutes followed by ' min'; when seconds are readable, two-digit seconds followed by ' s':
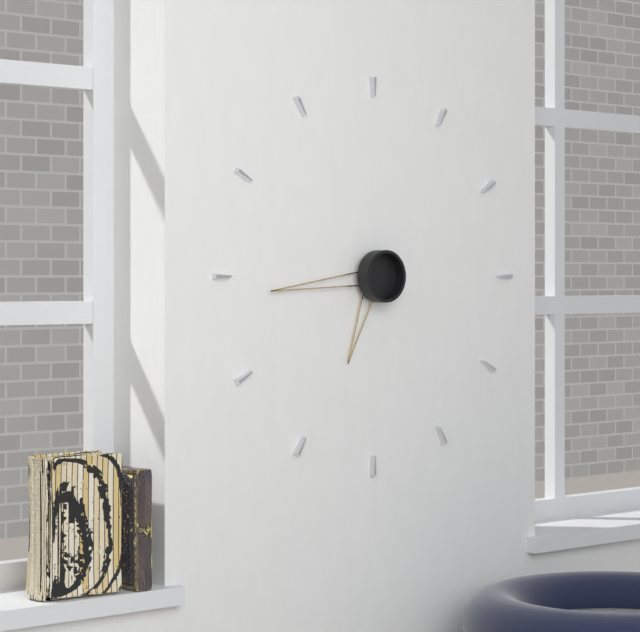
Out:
6 h 44 min
